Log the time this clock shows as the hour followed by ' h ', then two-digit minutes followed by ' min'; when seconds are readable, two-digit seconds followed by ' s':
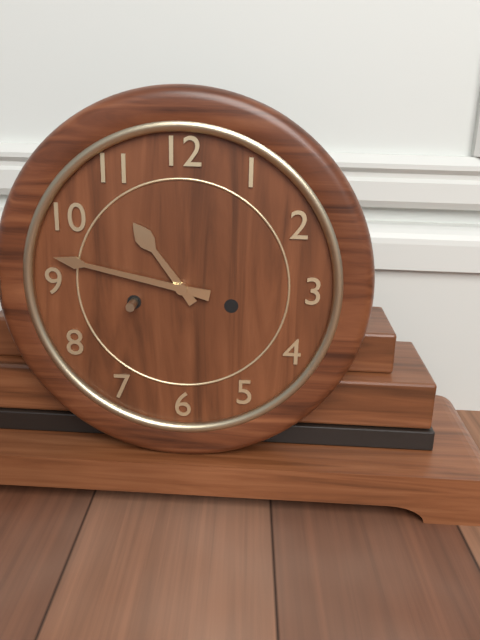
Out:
10 h 47 min
